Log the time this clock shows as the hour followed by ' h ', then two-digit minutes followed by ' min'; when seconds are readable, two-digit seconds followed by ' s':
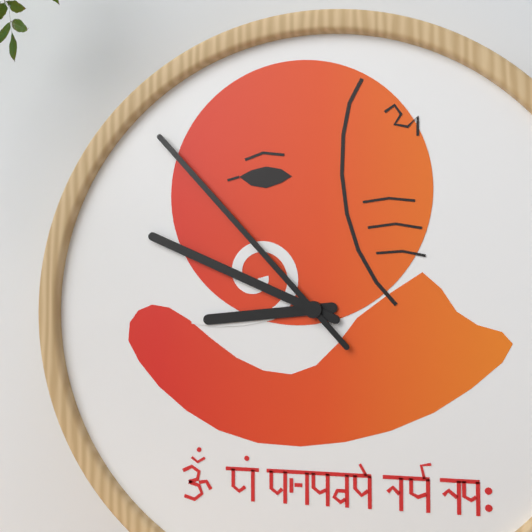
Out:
8 h 49 min 53 s
